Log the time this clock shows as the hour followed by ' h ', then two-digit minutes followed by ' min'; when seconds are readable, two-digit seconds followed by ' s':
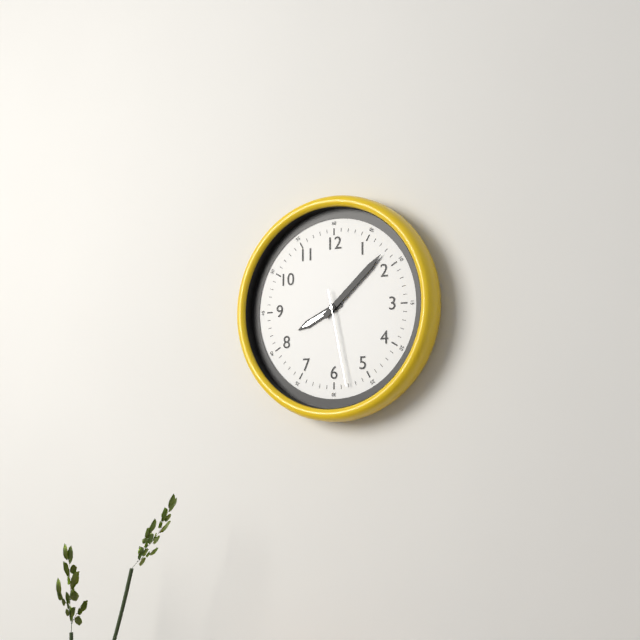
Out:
8 h 08 min 28 s
